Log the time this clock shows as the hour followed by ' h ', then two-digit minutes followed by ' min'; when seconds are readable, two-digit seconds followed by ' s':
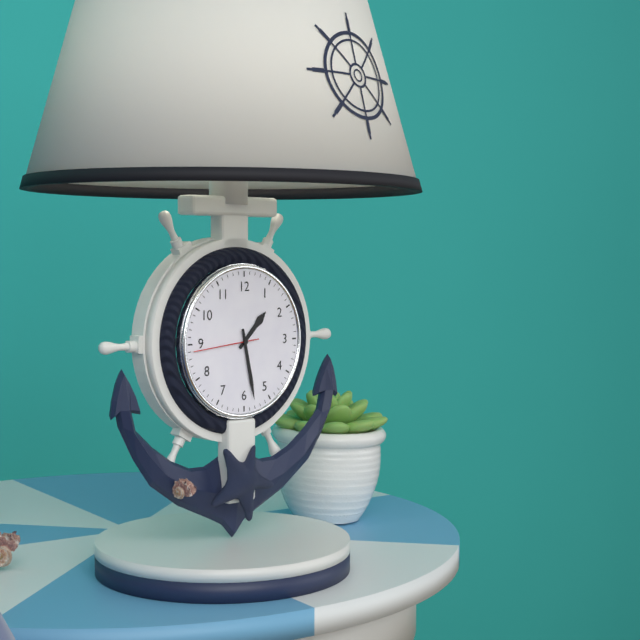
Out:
1 h 28 min 44 s
